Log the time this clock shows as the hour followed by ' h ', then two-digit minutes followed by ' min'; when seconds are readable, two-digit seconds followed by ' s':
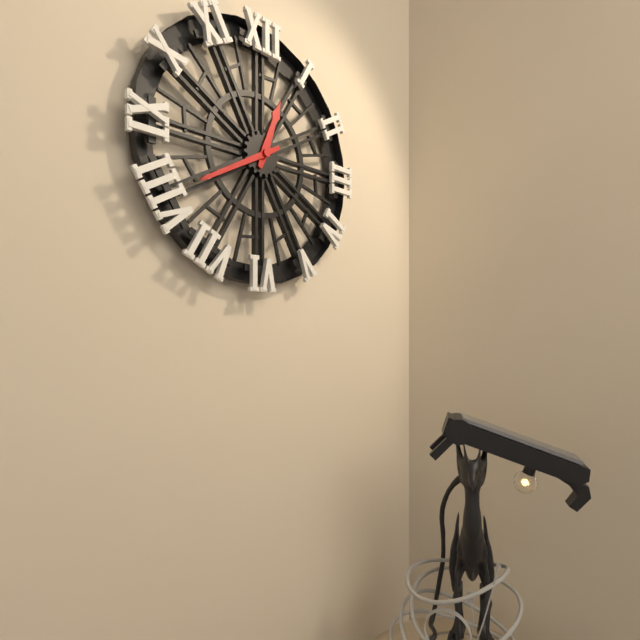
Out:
12 h 40 min
